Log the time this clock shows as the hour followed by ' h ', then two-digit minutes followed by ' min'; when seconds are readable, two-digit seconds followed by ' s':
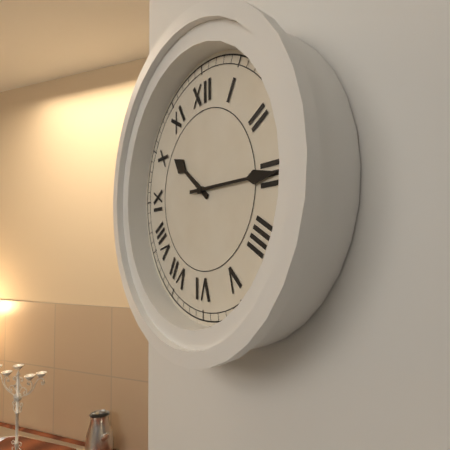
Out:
10 h 15 min
